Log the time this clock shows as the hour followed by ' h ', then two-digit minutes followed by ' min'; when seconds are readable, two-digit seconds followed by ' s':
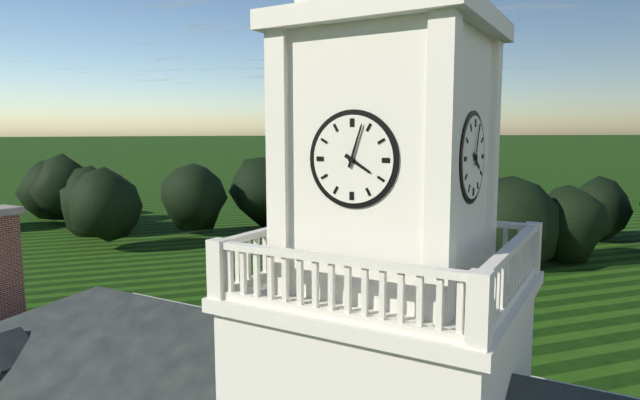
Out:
4 h 03 min
